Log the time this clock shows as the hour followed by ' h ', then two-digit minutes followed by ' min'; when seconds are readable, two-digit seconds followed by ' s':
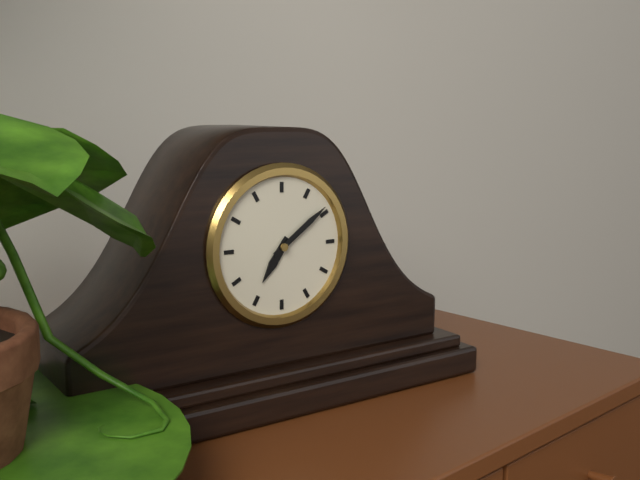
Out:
7 h 09 min
